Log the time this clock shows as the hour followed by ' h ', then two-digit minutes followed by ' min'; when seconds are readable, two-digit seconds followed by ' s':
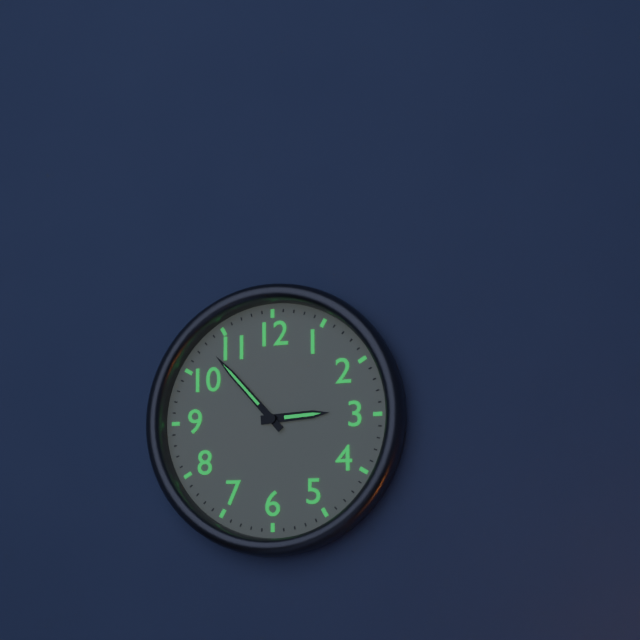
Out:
2 h 53 min
